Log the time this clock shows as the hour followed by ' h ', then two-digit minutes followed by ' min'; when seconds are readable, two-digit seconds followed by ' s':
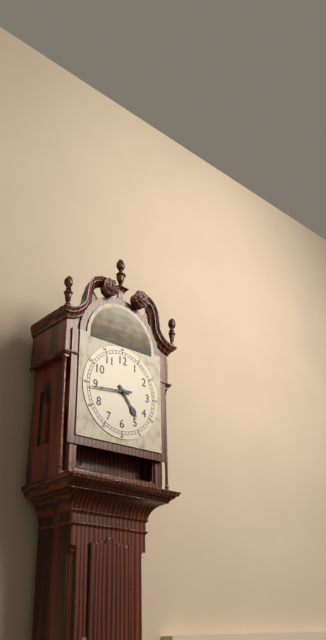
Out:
4 h 44 min
